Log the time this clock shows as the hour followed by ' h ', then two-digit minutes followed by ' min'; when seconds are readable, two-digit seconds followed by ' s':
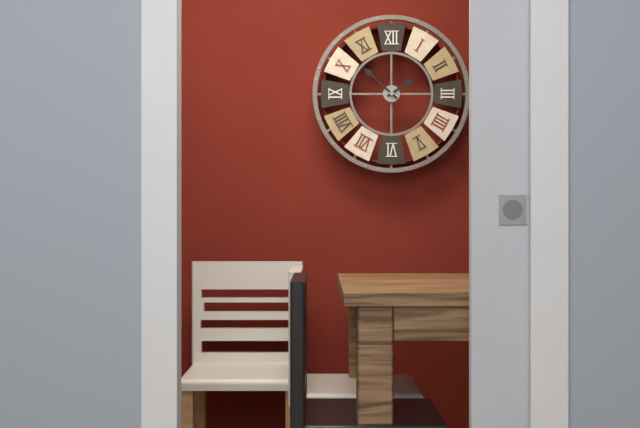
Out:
1 h 52 min
